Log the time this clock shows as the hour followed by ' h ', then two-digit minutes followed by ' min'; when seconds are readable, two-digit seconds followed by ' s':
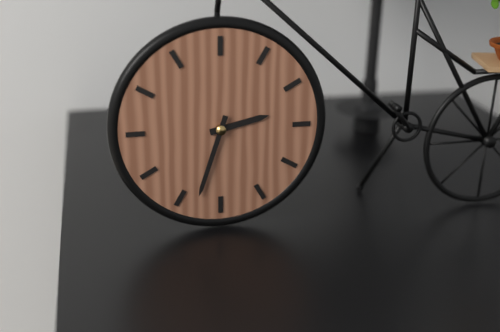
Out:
2 h 33 min
